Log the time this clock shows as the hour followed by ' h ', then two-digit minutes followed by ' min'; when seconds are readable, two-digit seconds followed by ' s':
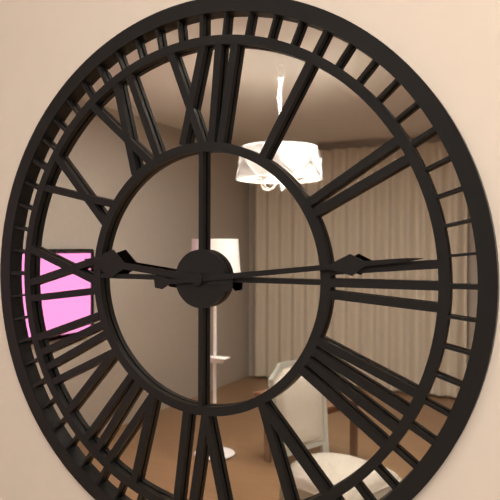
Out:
9 h 14 min
